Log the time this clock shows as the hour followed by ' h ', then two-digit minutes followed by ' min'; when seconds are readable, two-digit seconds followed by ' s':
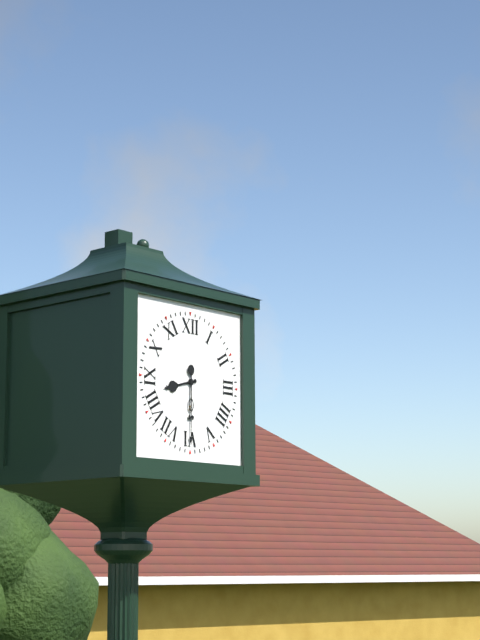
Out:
8 h 30 min
